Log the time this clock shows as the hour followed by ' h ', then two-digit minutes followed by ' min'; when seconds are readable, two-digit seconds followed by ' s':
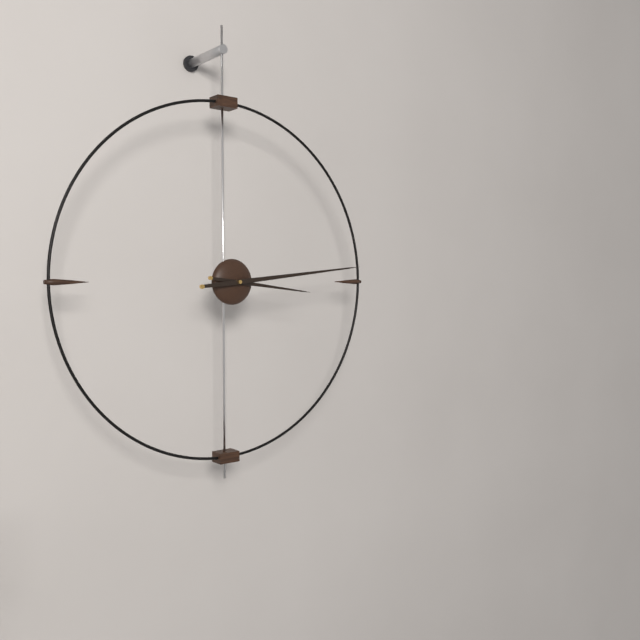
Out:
3 h 14 min
